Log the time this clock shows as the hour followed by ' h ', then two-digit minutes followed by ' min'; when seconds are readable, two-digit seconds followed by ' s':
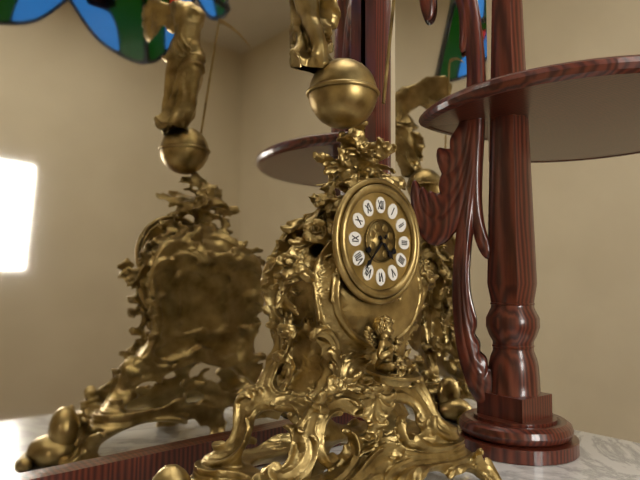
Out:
4 h 37 min
